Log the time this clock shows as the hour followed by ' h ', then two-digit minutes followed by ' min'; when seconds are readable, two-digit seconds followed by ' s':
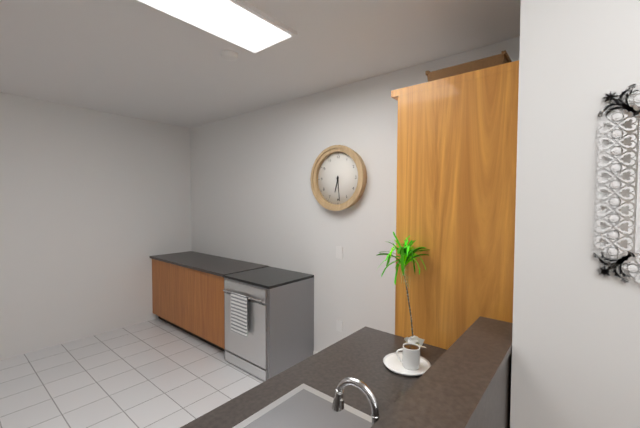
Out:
6 h 29 min
